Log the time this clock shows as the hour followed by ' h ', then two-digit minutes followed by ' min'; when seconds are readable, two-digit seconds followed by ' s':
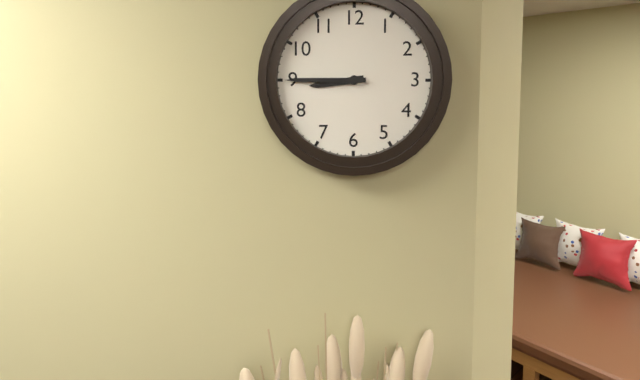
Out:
8 h 45 min
